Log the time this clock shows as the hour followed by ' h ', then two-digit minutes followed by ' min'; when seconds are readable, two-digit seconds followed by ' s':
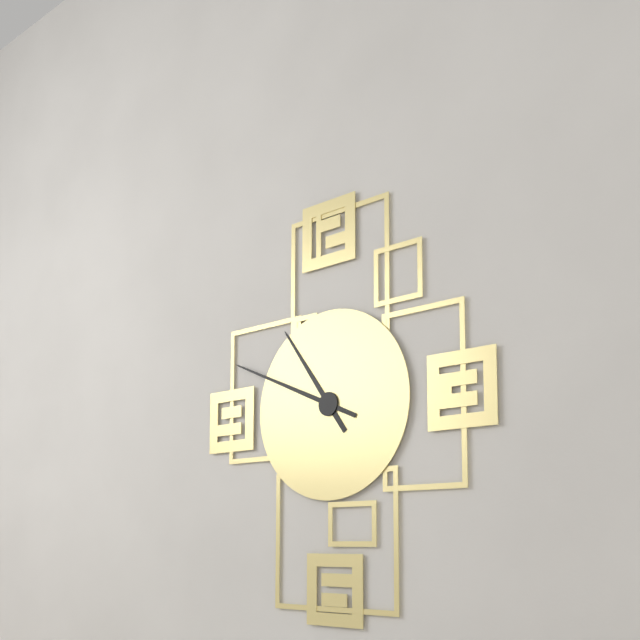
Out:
10 h 49 min
